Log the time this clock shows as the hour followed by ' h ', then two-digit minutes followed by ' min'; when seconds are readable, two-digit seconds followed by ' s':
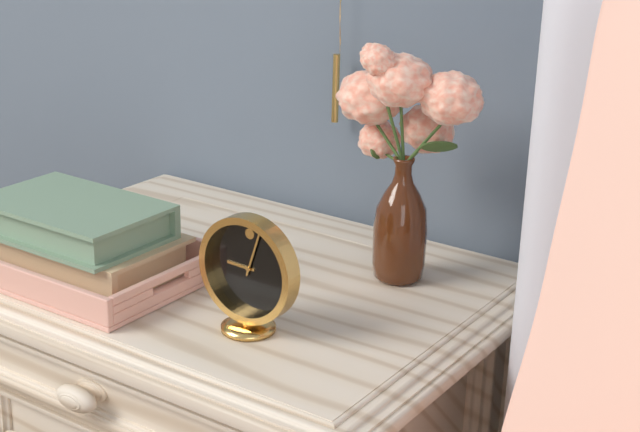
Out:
9 h 03 min
